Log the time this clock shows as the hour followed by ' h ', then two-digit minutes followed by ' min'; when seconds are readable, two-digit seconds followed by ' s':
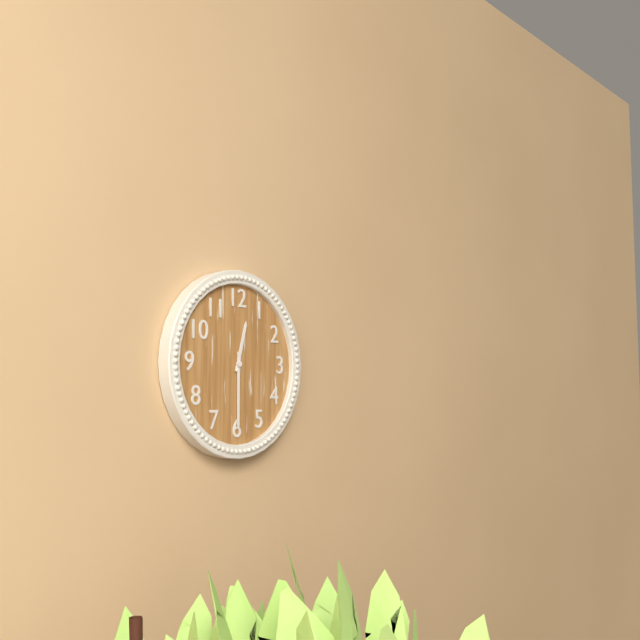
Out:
12 h 30 min
